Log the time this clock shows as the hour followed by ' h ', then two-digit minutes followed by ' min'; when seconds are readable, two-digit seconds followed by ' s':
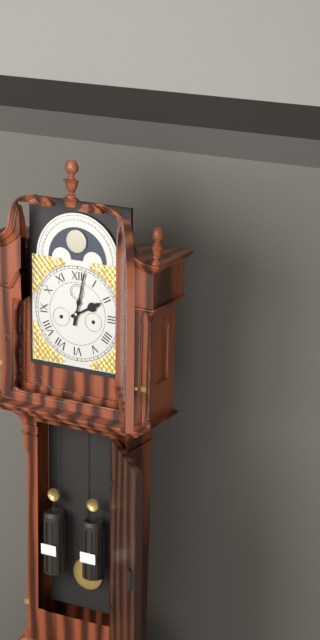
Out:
2 h 02 min
